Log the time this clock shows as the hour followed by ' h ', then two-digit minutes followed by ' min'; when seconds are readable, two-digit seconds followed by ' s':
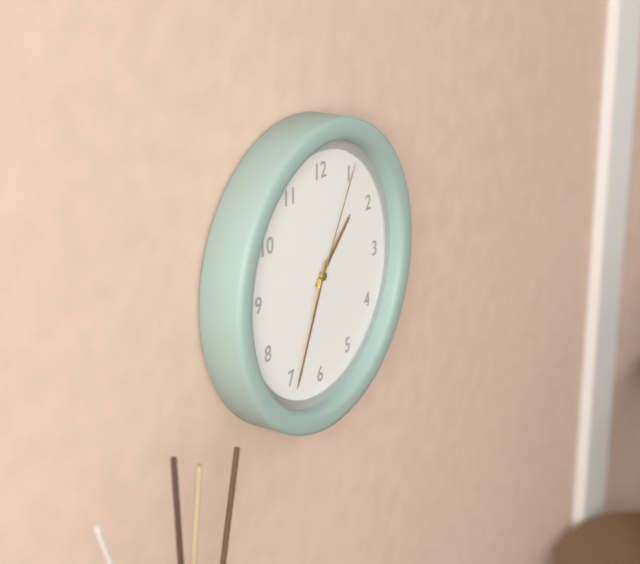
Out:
1 h 34 min 05 s
